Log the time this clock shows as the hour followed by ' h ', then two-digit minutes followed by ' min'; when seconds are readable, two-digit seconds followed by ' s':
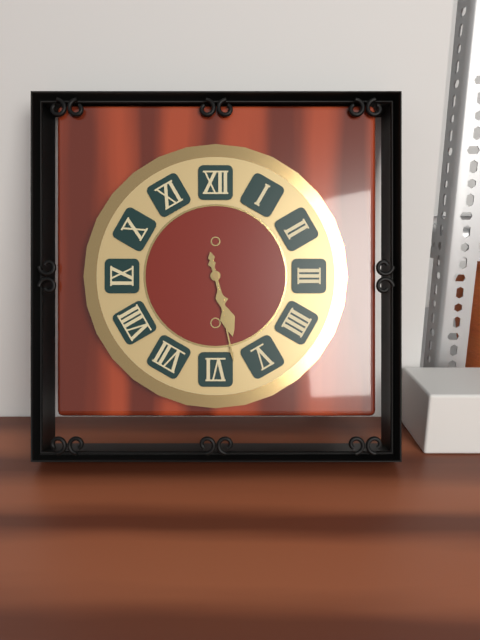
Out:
5 h 28 min
